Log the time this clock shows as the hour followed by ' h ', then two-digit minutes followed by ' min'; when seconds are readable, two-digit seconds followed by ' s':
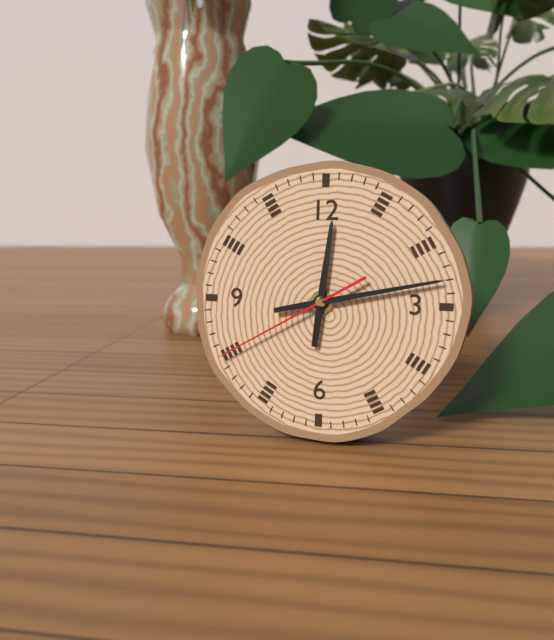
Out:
12 h 13 min 40 s
